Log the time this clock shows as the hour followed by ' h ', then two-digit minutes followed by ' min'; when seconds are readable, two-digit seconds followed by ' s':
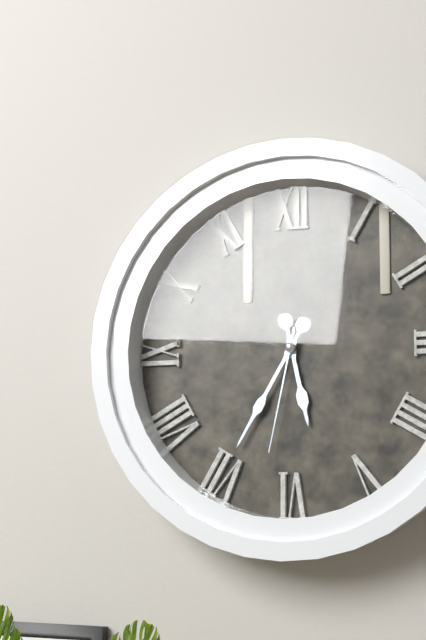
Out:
5 h 35 min 32 s
